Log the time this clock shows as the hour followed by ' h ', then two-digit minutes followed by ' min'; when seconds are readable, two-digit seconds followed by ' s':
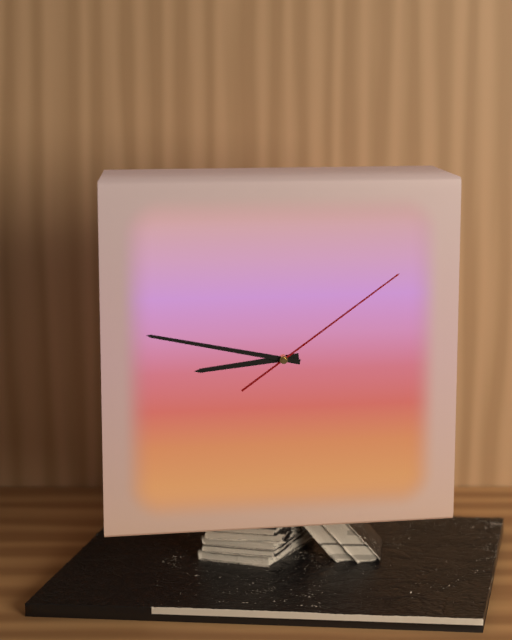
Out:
8 h 47 min 09 s
